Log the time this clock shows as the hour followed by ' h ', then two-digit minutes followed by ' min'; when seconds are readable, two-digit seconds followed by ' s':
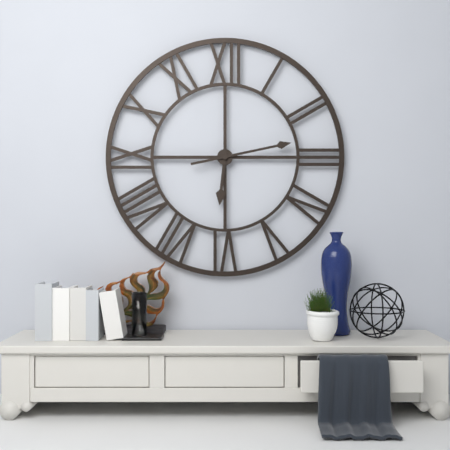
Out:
6 h 13 min
